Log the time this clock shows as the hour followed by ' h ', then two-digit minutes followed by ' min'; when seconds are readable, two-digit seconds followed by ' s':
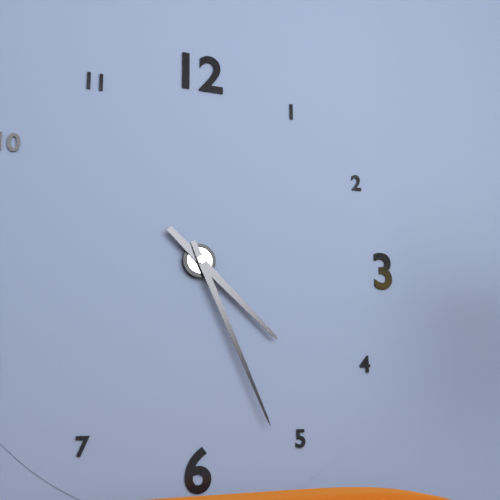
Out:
4 h 26 min
